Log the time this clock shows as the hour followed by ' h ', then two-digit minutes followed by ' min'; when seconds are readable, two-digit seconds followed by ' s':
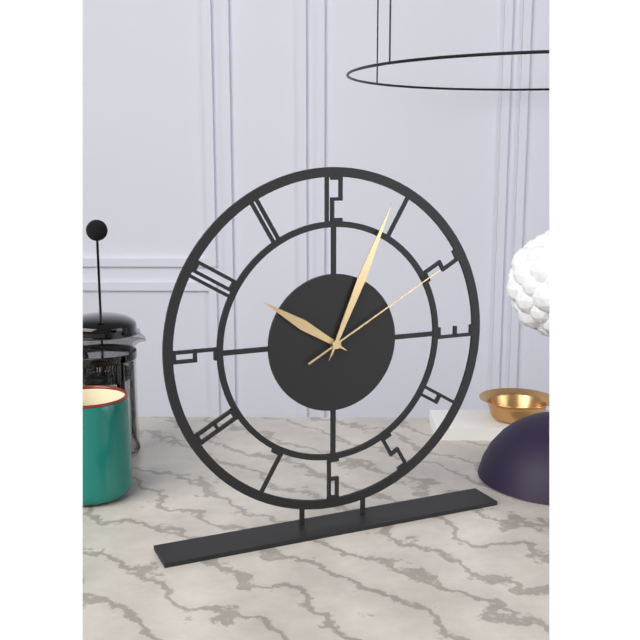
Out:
10 h 04 min 10 s
